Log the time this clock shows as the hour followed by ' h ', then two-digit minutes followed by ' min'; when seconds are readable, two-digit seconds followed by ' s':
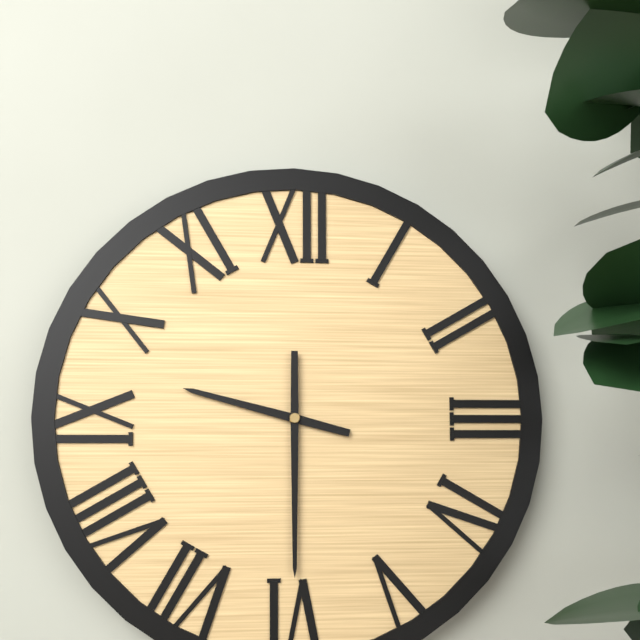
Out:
9 h 30 min
